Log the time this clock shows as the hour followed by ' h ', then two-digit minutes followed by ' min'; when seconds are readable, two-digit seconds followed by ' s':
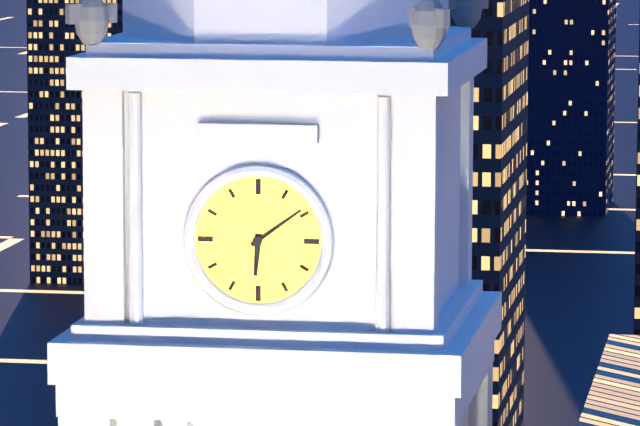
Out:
6 h 09 min
